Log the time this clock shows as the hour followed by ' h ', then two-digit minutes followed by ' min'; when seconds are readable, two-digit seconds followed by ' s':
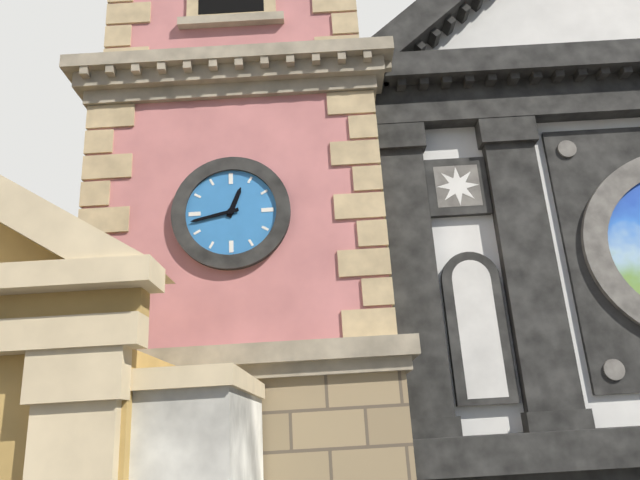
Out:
12 h 43 min
